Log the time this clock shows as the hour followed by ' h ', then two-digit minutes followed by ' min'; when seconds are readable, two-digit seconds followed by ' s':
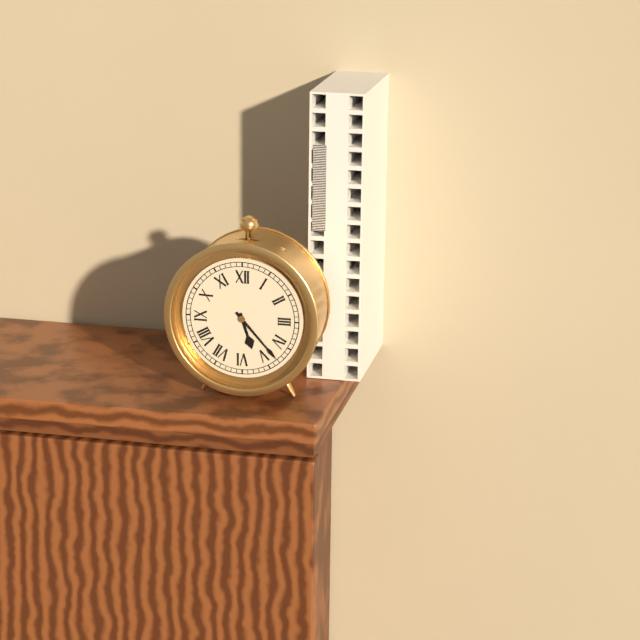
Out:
5 h 23 min
